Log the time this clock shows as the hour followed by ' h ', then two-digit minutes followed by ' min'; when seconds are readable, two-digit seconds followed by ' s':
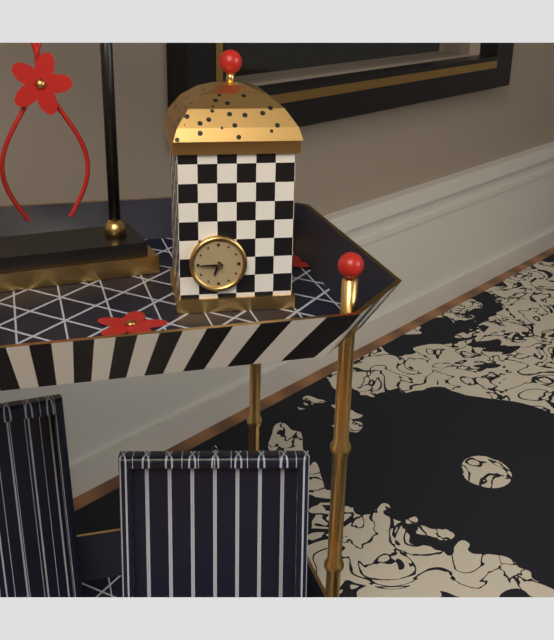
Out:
6 h 45 min
